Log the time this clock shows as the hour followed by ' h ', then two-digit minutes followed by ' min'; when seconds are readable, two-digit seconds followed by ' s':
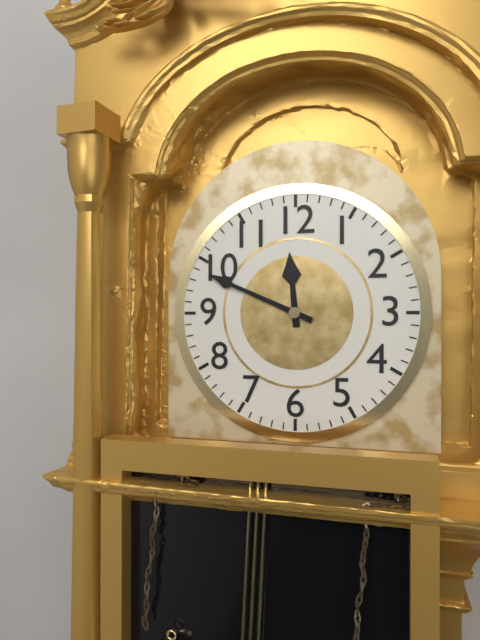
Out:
11 h 49 min
